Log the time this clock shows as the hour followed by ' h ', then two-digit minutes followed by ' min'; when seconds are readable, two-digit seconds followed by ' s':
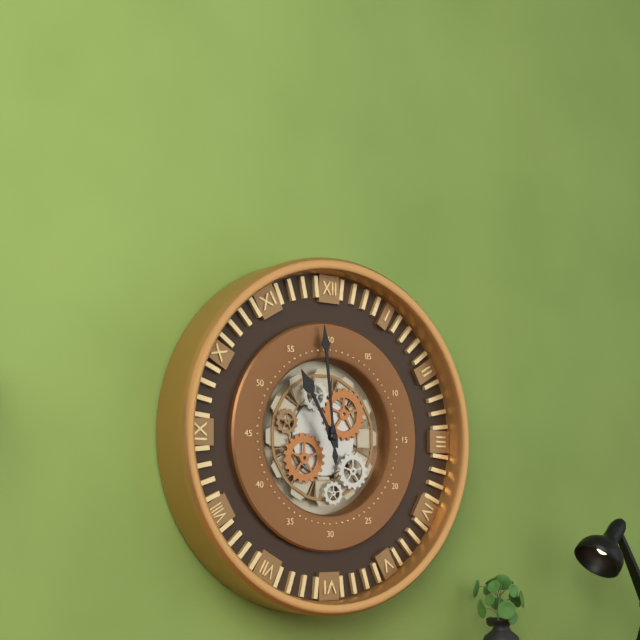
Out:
10 h 59 min
